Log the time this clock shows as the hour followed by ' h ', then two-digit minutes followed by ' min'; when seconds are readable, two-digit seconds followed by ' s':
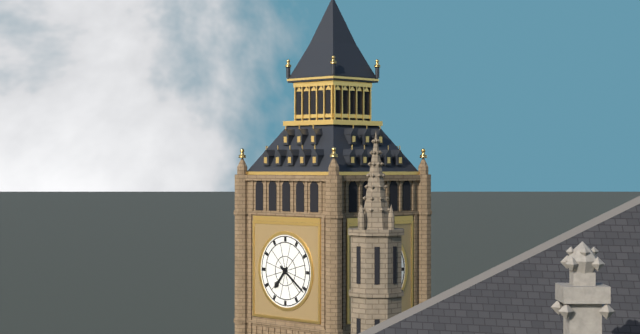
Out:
7 h 21 min
